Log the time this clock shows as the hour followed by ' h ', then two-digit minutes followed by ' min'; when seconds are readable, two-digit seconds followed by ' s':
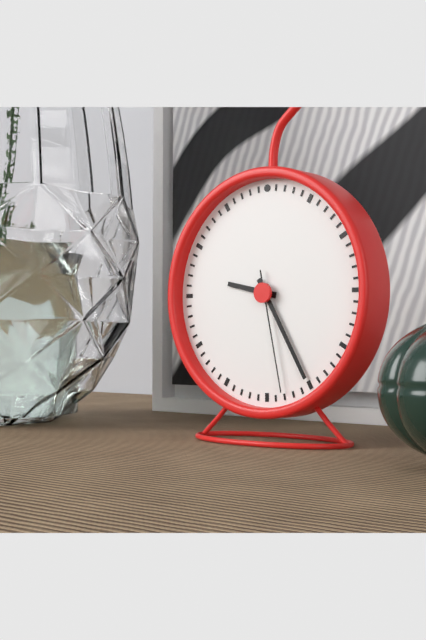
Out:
9 h 25 min 28 s
